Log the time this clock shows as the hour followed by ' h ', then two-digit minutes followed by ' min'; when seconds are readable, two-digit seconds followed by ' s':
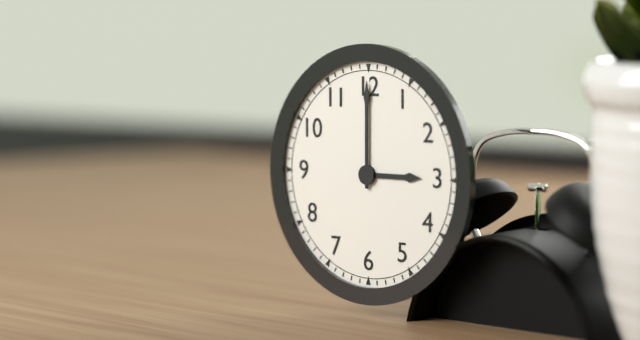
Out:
3 h 00 min
